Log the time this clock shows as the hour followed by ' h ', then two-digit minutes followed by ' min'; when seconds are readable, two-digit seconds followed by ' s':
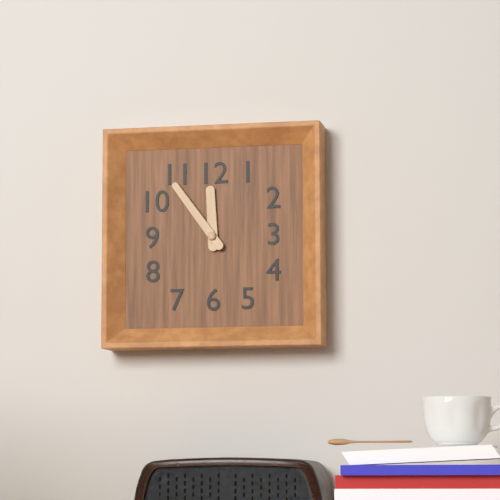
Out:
11 h 54 min
